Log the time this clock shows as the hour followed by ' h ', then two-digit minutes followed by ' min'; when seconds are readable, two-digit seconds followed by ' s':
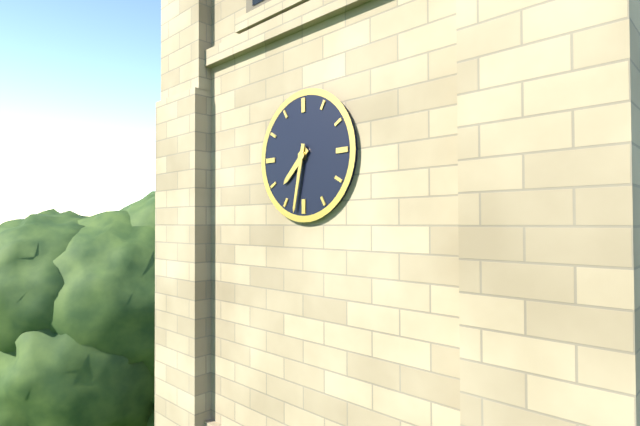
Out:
7 h 32 min
